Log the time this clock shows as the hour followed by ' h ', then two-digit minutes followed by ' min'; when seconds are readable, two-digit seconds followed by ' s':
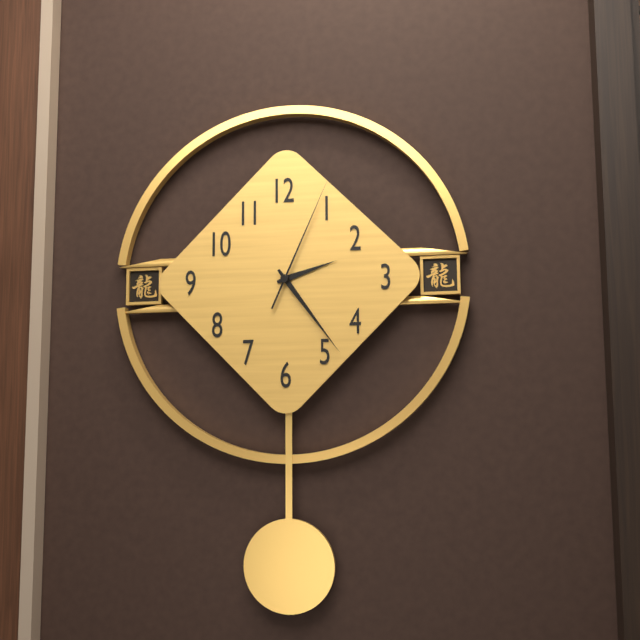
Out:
2 h 24 min 04 s
